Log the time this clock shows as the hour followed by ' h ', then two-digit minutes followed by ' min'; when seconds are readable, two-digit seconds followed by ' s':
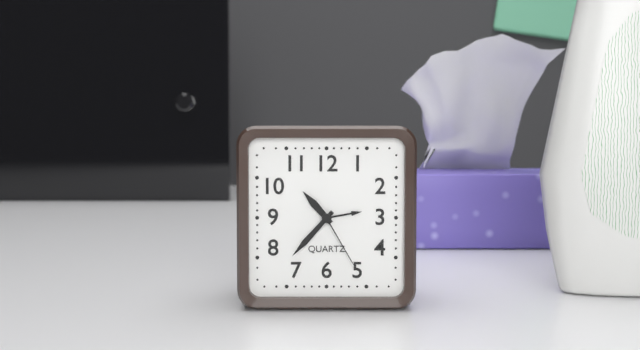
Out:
10 h 37 min 25 s
